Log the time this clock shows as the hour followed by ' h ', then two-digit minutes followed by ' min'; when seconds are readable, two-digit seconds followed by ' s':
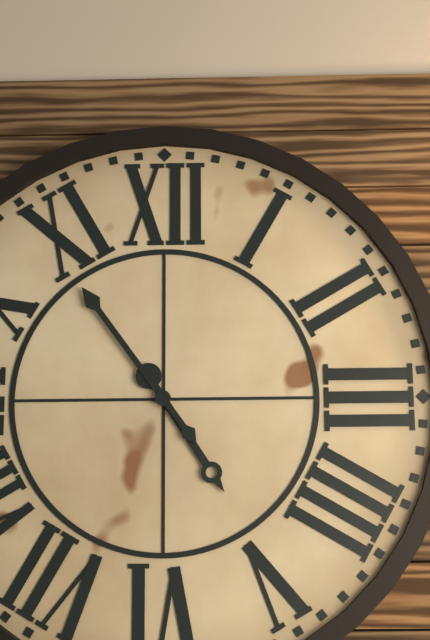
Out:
4 h 54 min
